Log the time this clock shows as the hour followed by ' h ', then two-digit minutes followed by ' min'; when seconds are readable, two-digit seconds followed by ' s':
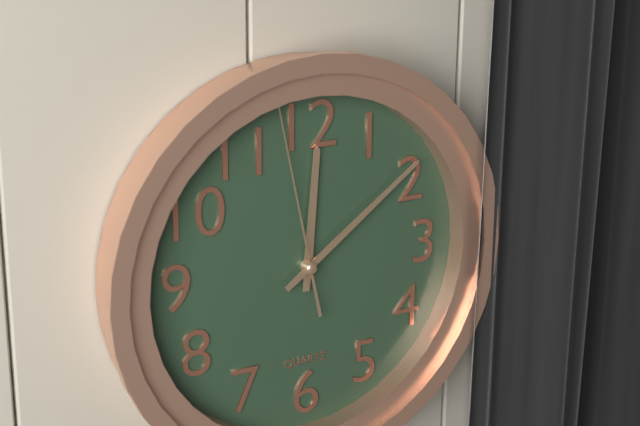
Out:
12 h 09 min 58 s
